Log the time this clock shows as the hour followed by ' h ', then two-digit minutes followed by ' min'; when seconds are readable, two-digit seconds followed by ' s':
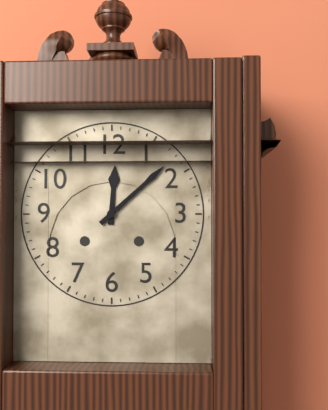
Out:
12 h 08 min
